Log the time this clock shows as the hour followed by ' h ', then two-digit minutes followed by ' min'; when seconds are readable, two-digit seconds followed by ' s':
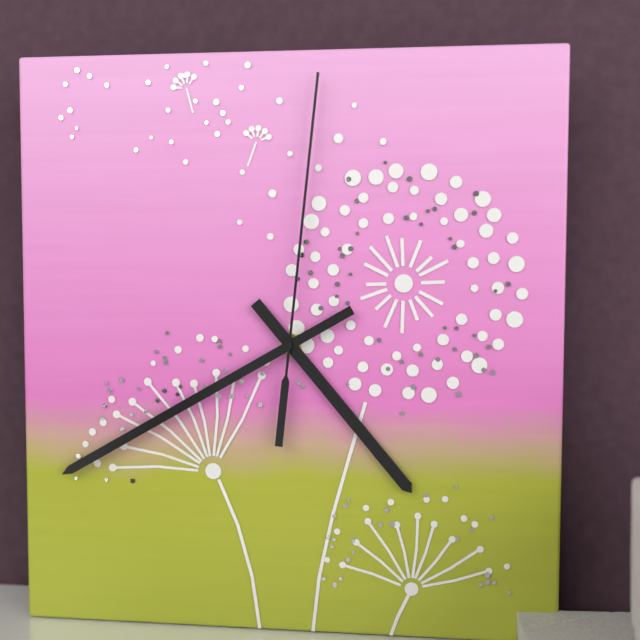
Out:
4 h 40 min 01 s
